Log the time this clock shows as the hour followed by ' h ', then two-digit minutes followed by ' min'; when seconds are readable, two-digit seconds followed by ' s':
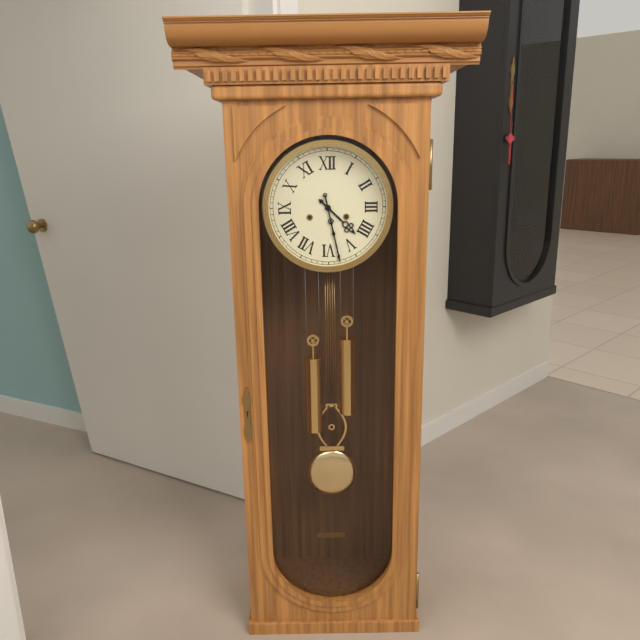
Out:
4 h 28 min
